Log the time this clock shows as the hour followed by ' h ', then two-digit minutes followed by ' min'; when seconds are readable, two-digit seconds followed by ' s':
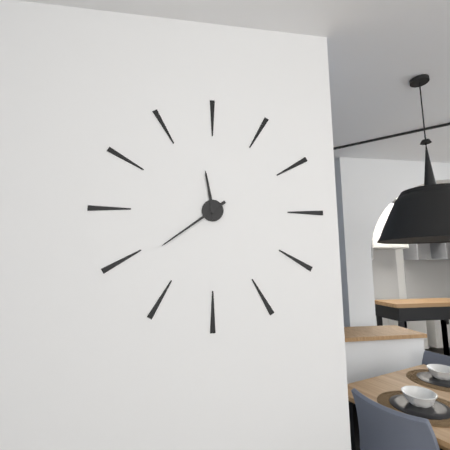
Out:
11 h 39 min
